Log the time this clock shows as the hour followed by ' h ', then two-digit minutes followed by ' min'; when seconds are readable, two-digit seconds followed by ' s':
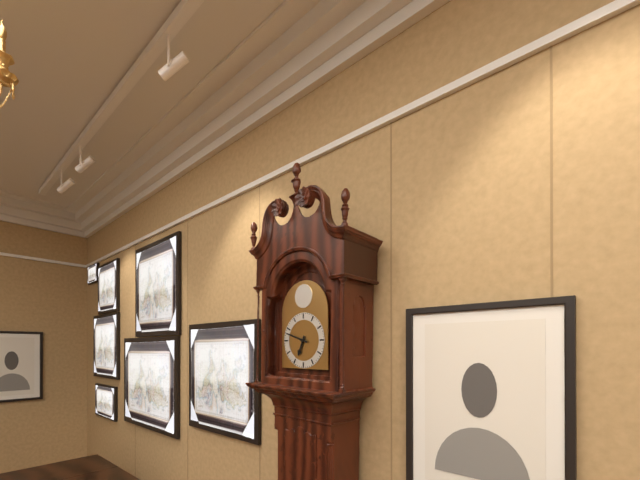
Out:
6 h 48 min
